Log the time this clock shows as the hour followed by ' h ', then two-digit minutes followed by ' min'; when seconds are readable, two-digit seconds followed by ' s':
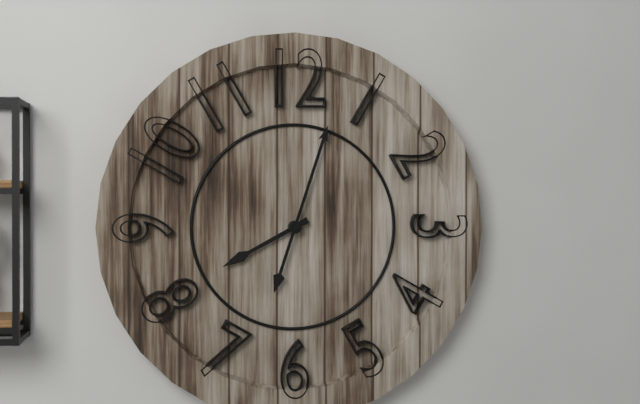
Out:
8 h 03 min
